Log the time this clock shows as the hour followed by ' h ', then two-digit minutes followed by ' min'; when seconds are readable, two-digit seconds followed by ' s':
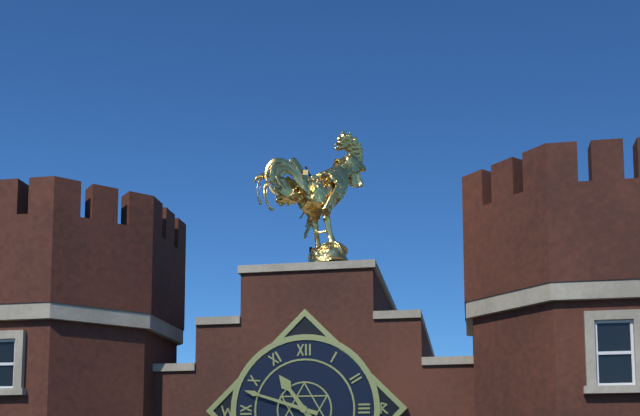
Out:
10 h 48 min
